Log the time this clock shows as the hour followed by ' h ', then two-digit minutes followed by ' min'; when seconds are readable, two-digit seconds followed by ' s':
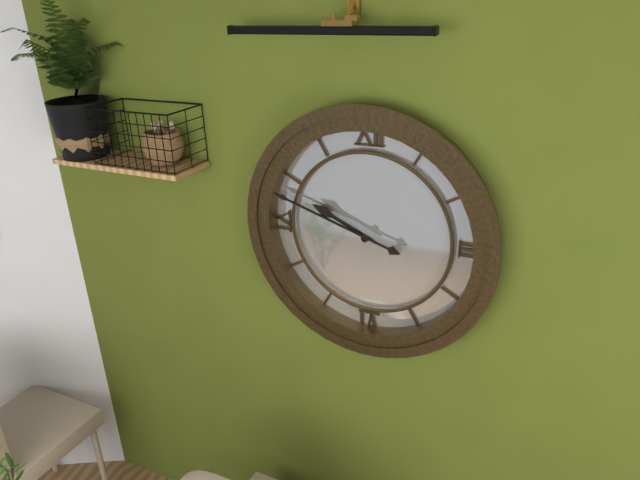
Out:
9 h 48 min
